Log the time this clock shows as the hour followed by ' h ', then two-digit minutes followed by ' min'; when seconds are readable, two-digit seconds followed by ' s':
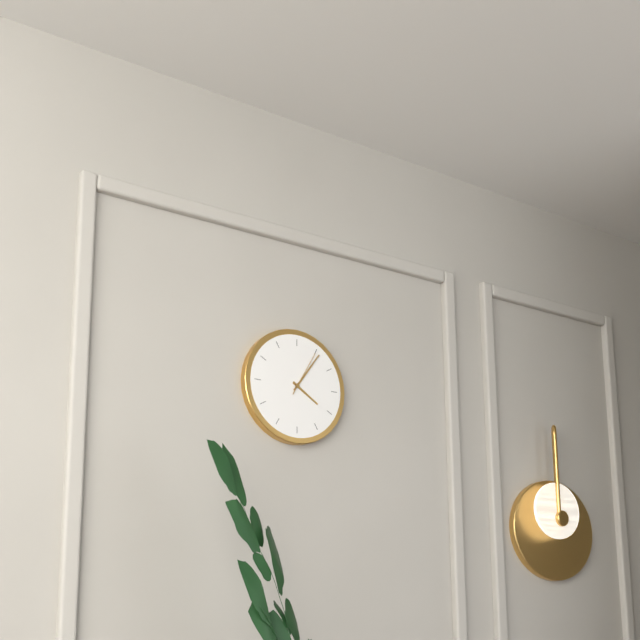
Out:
4 h 06 min
